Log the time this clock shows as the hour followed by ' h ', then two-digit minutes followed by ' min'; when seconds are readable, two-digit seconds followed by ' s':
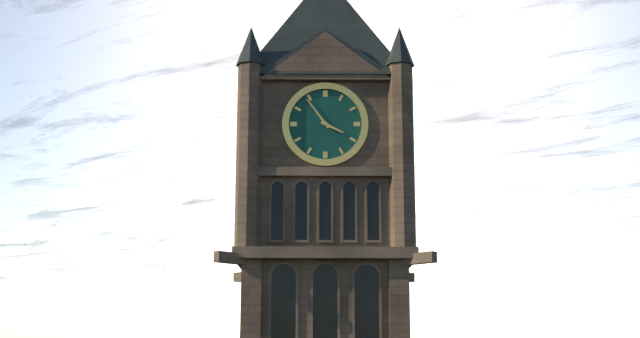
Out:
3 h 54 min
